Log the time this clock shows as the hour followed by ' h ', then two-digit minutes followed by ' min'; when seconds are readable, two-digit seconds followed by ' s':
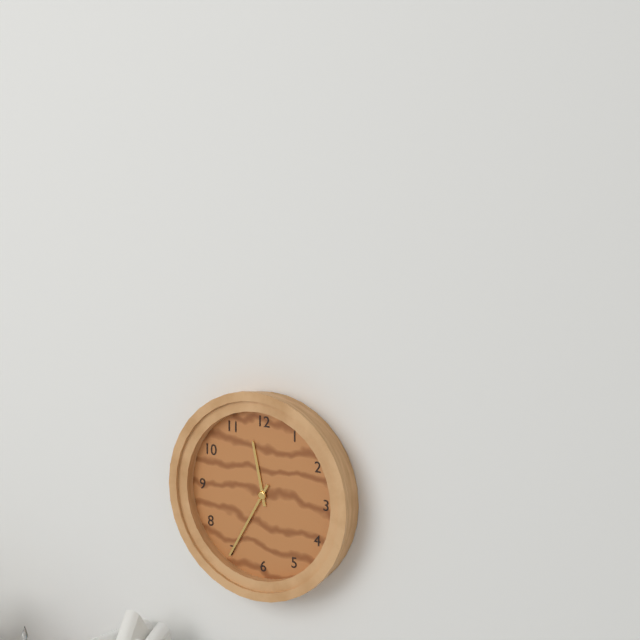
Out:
11 h 35 min
